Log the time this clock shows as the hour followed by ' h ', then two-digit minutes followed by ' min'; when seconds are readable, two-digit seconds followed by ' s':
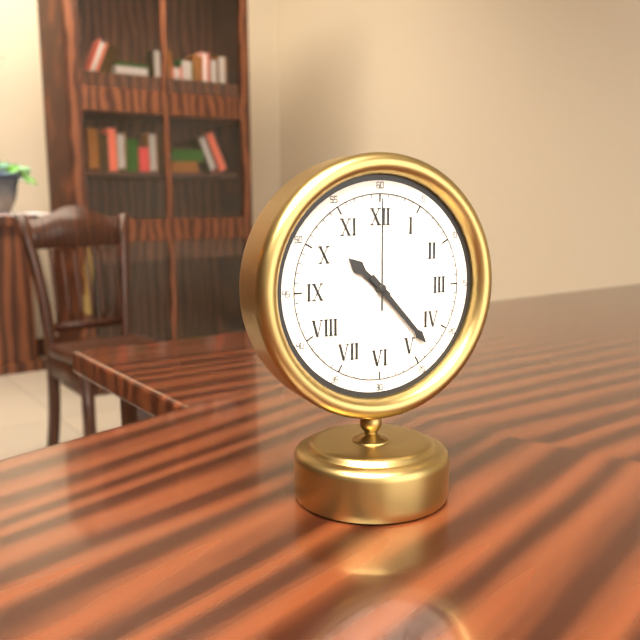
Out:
10 h 23 min 00 s
